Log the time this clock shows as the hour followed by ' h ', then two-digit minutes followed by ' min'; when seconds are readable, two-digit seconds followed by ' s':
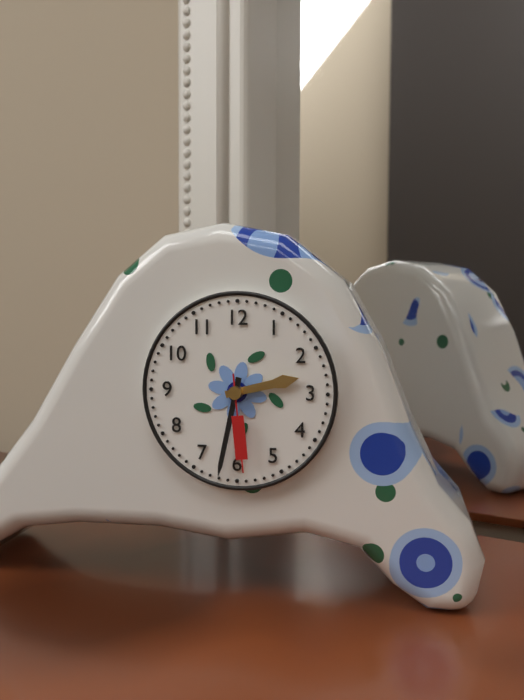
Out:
2 h 32 min 29 s
